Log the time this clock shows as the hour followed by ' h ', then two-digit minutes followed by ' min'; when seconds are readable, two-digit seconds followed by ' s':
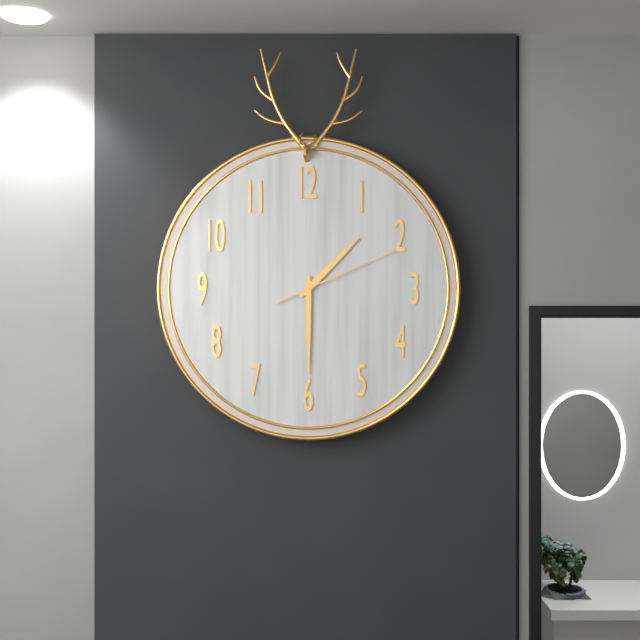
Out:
1 h 30 min 11 s
